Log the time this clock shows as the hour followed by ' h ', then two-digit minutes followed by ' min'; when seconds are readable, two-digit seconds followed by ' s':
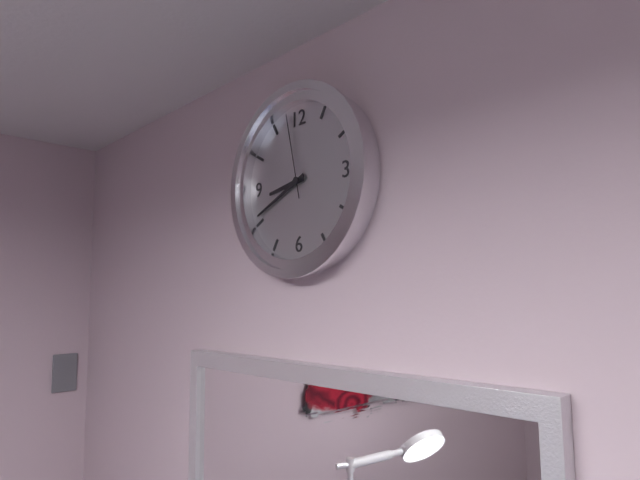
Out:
8 h 41 min 58 s
